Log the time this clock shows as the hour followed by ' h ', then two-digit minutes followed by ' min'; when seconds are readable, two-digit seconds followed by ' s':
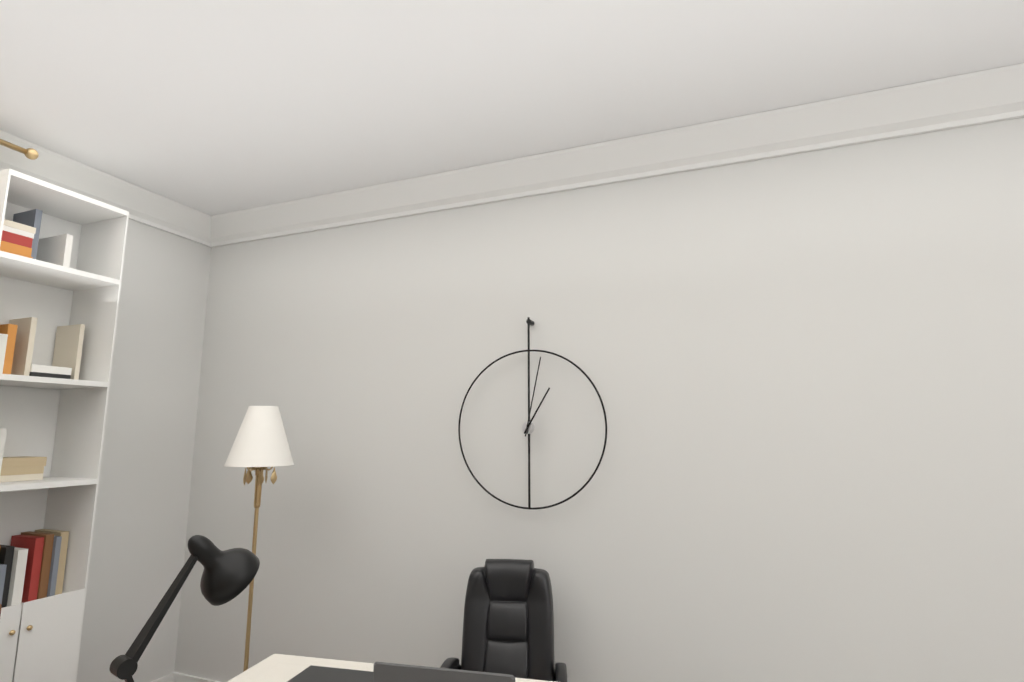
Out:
1 h 02 min
